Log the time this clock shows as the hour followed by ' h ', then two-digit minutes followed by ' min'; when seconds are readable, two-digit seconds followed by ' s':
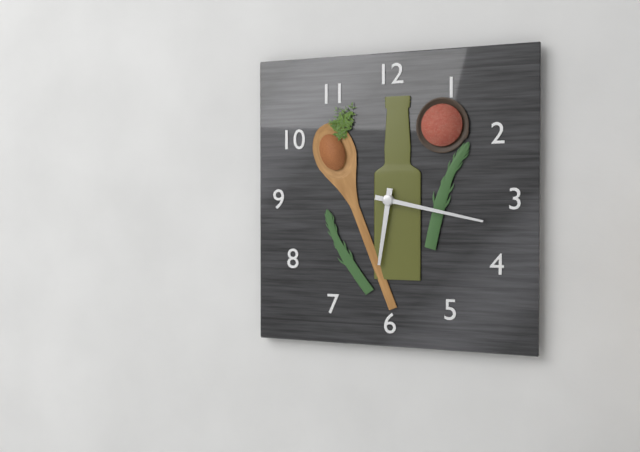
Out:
6 h 17 min
